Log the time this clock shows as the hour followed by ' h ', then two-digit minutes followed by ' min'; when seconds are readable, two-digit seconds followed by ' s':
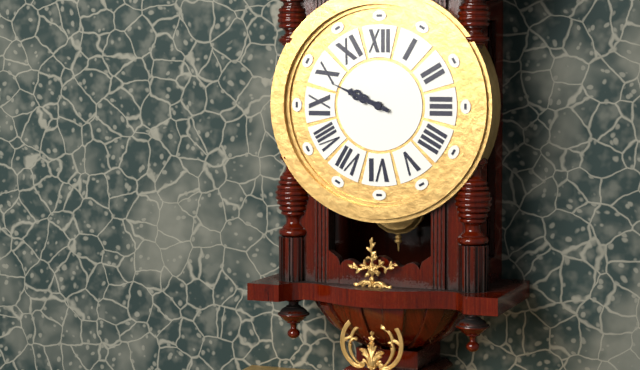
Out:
9 h 49 min
